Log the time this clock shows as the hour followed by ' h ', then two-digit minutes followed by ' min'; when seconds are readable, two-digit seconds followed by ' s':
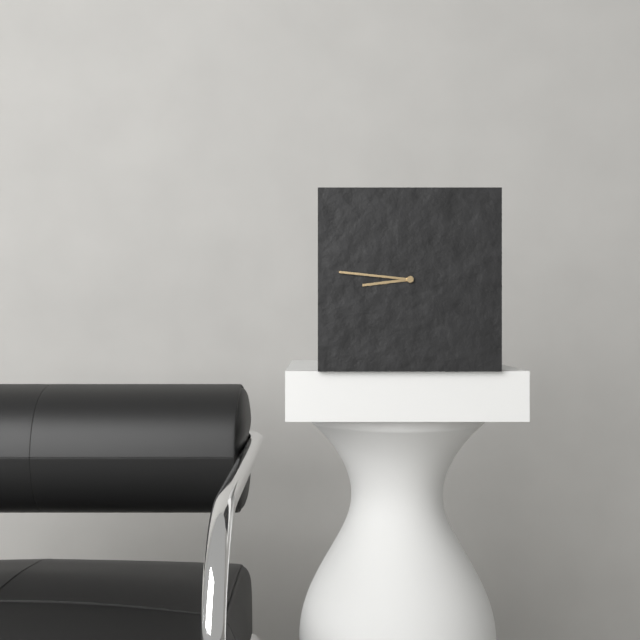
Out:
8 h 46 min
